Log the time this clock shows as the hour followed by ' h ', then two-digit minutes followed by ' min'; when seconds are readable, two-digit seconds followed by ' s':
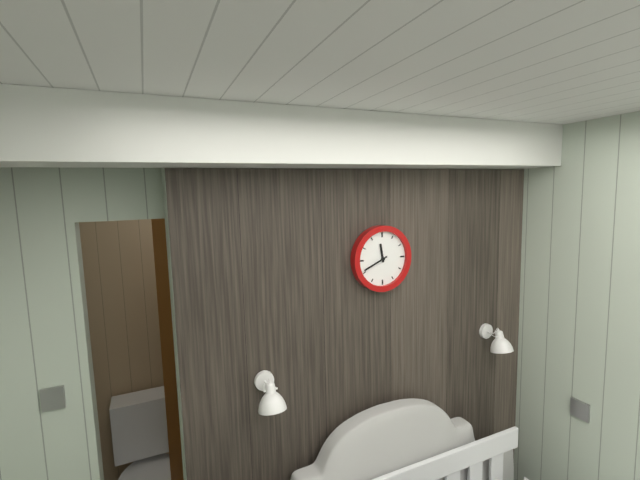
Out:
11 h 41 min
